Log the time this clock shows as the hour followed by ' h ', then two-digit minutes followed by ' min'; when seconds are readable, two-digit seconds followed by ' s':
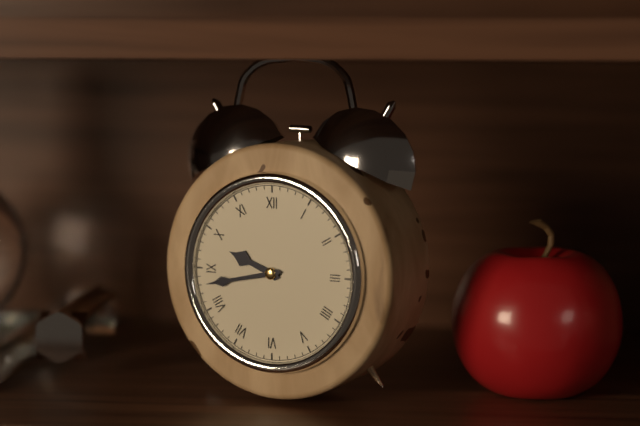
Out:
9 h 43 min
